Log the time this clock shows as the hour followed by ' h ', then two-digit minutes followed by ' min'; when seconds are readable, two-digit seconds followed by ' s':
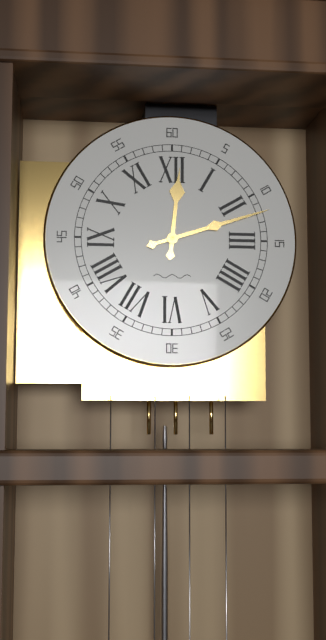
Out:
12 h 12 min
